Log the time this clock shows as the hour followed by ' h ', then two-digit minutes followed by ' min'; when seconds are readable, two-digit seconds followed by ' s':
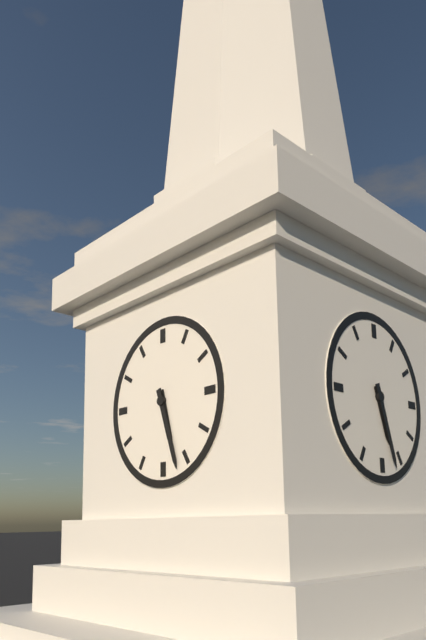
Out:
5 h 27 min
